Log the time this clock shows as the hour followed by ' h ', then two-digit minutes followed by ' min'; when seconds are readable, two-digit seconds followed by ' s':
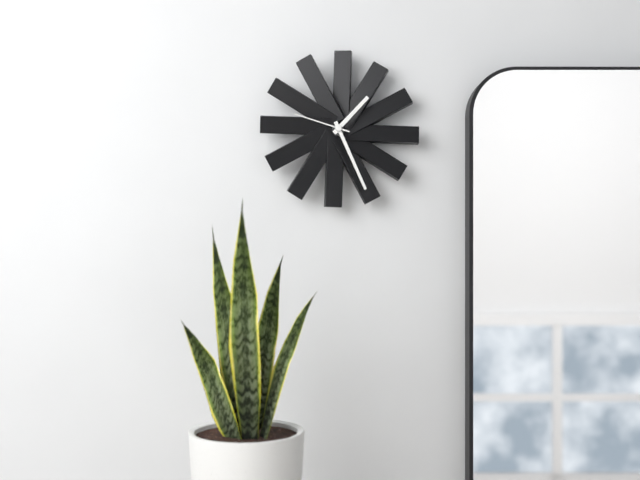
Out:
1 h 26 min 48 s
